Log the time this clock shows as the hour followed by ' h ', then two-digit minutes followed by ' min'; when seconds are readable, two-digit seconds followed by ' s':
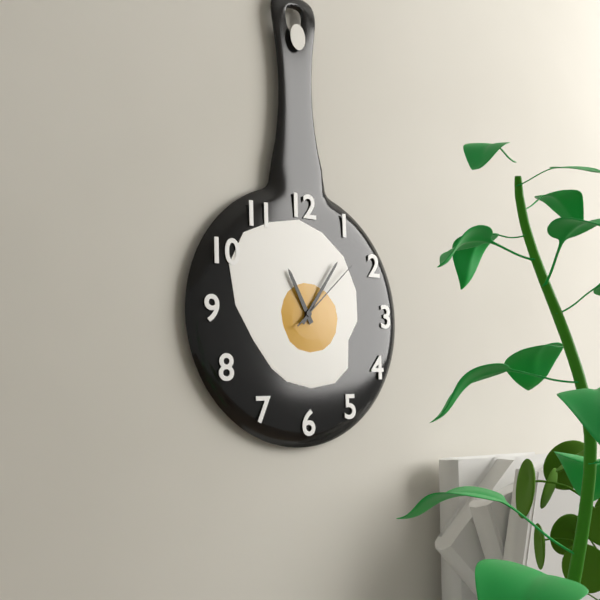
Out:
11 h 06 min 08 s
